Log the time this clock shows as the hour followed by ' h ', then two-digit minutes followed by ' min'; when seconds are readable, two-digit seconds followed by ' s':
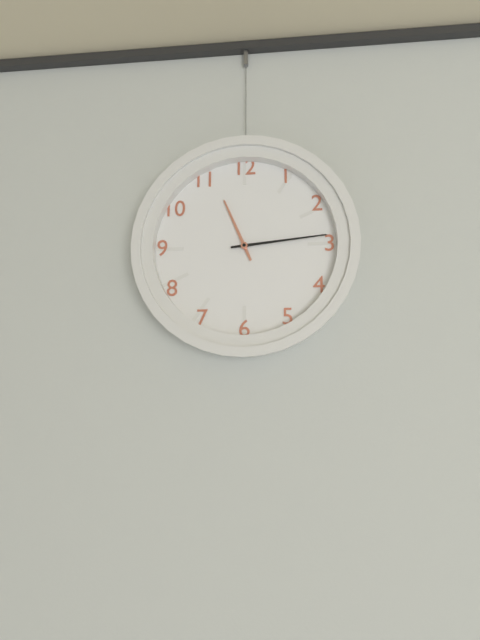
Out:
11 h 14 min
